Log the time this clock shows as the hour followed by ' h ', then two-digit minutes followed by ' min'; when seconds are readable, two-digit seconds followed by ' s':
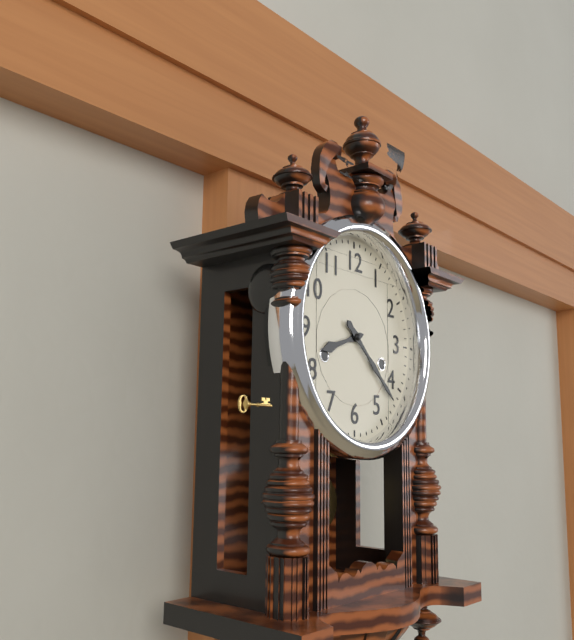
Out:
8 h 22 min
